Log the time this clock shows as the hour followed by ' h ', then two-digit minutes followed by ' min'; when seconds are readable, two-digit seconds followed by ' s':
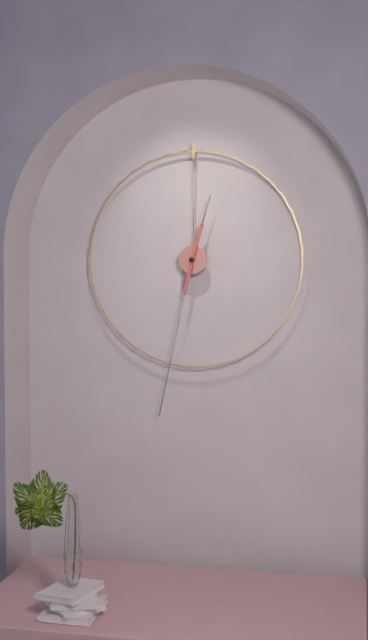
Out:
12 h 32 min
